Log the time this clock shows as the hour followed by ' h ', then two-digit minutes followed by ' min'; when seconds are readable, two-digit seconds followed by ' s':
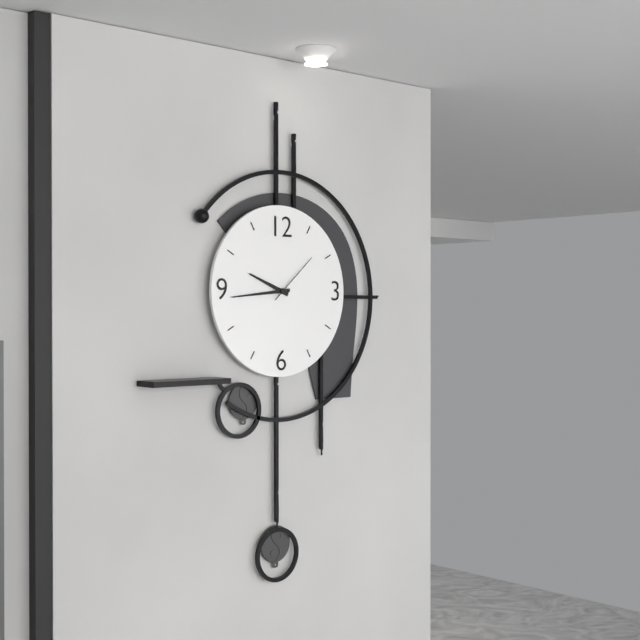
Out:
9 h 44 min 08 s
